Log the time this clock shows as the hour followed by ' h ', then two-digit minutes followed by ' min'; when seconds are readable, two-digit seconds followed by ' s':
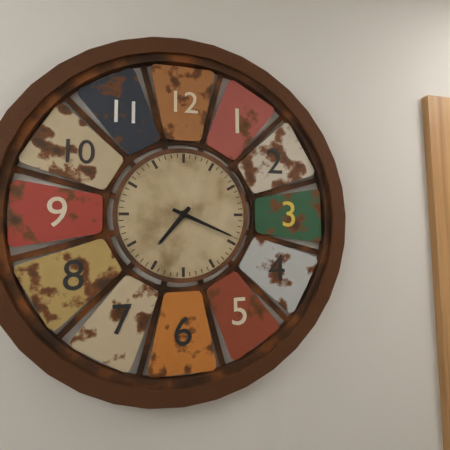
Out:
7 h 19 min
